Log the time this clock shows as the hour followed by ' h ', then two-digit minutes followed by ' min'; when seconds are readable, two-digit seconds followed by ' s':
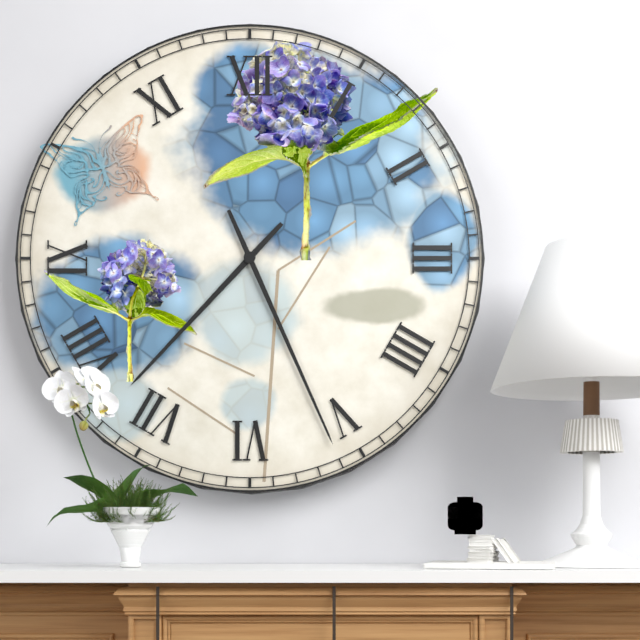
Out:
7 h 26 min
